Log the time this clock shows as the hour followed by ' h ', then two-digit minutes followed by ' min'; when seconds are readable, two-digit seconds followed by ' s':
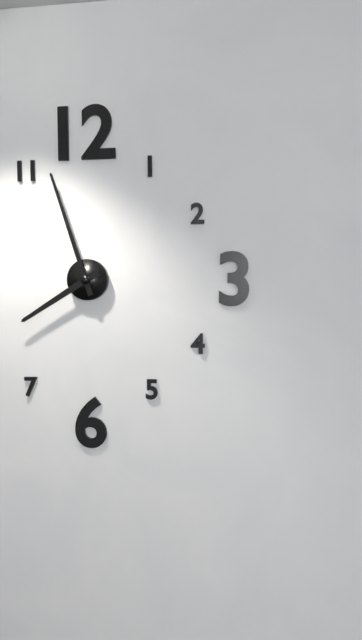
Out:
7 h 57 min
